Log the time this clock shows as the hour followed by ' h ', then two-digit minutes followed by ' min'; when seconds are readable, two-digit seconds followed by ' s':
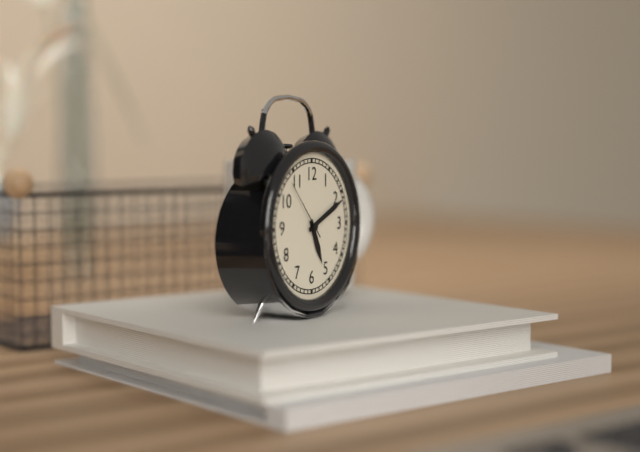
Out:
5 h 11 min 53 s
